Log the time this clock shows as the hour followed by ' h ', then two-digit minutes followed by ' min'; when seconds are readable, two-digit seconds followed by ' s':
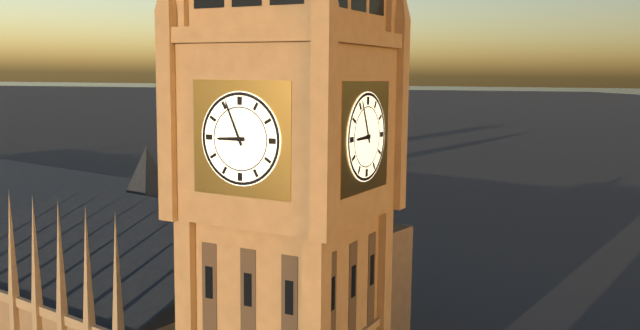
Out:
8 h 56 min
